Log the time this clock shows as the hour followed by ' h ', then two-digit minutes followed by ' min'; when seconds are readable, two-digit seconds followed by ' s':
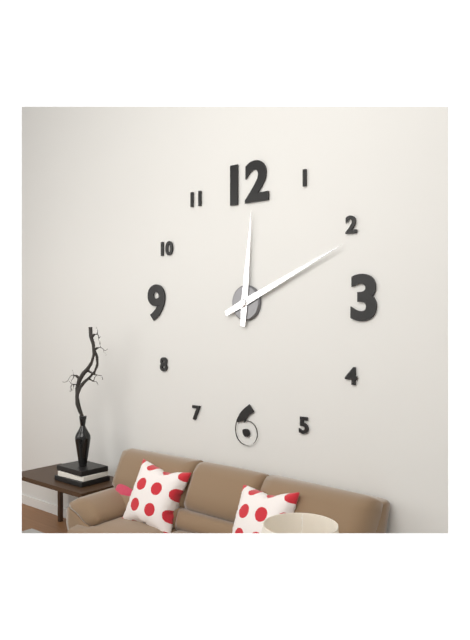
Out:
12 h 11 min
